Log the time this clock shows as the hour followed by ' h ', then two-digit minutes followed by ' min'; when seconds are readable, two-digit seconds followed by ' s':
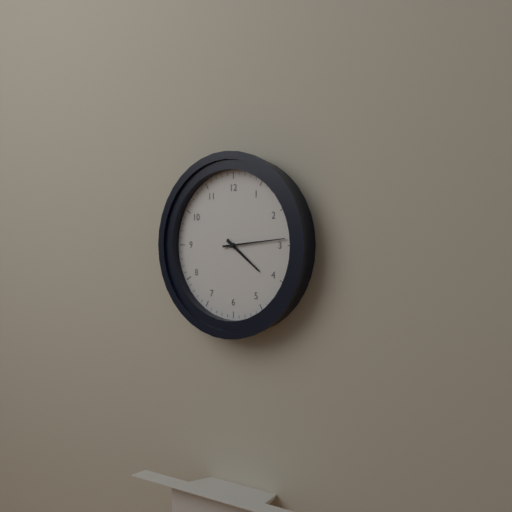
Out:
4 h 14 min
